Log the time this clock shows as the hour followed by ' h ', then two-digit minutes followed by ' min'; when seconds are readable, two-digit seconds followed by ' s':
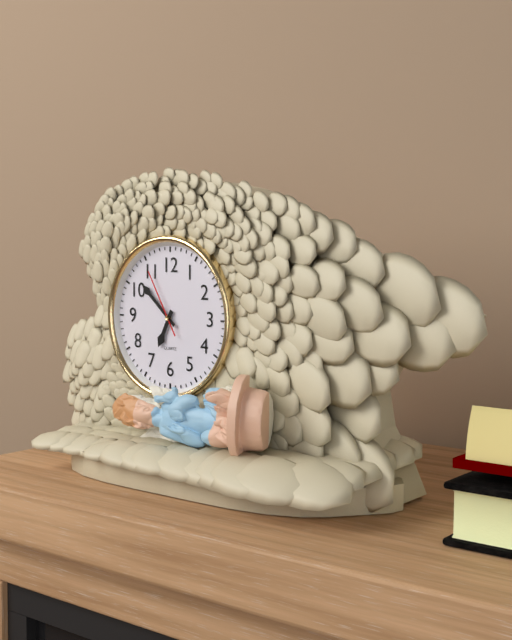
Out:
6 h 52 min 55 s
